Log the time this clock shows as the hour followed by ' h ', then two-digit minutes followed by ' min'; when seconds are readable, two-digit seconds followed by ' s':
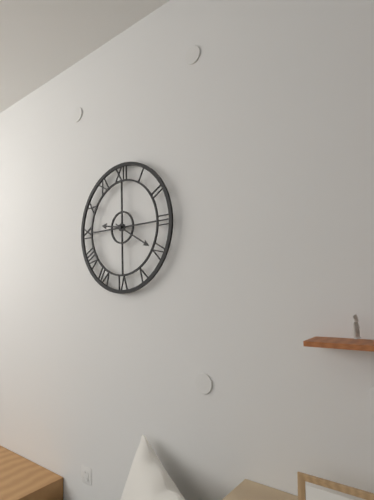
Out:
9 h 20 min
